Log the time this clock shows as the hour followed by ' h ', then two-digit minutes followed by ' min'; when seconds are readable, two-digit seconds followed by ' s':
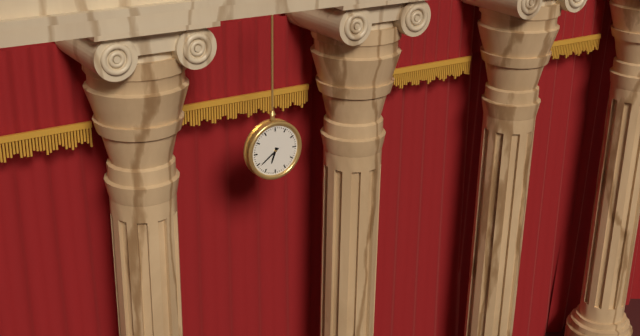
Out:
6 h 39 min
